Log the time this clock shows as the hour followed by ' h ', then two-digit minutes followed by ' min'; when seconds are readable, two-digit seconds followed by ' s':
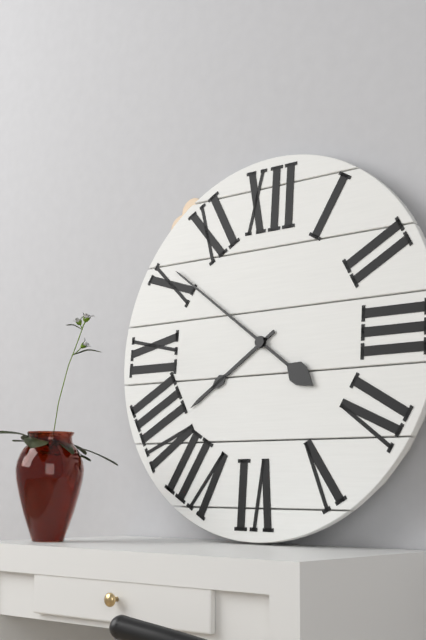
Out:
7 h 51 min
